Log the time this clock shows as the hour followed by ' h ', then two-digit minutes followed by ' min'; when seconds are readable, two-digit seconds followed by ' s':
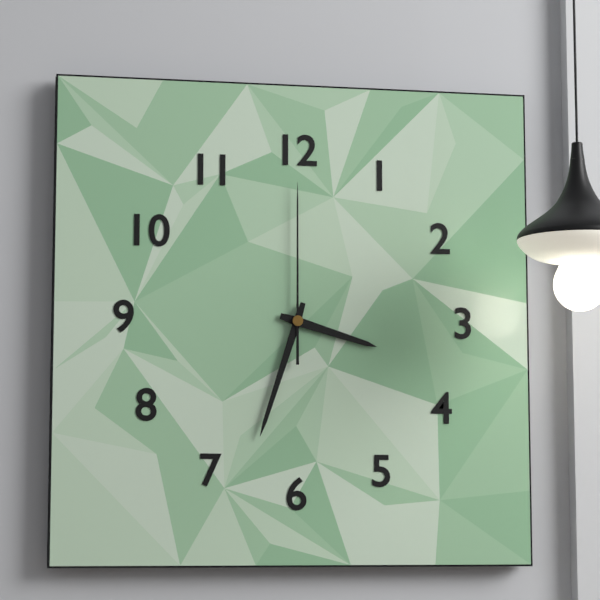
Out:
3 h 33 min 00 s
